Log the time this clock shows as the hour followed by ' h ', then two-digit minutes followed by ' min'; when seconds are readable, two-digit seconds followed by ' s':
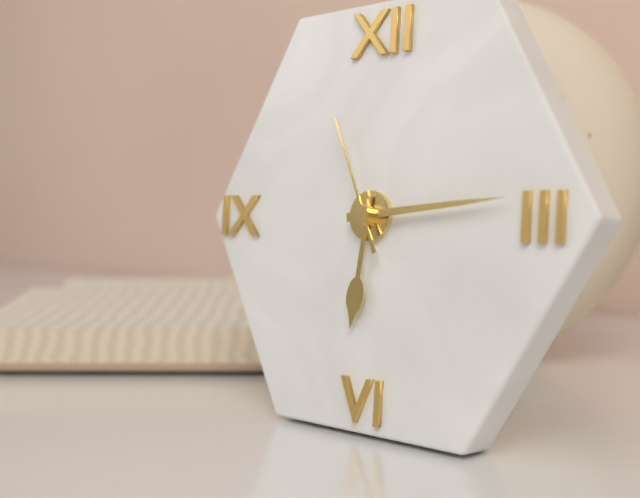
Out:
6 h 14 min 56 s
